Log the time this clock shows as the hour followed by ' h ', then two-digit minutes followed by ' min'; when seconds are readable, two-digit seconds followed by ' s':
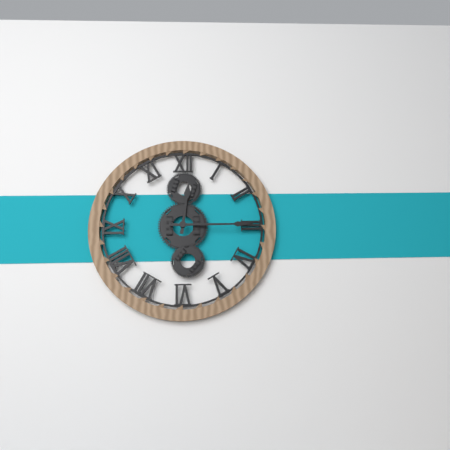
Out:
12 h 15 min
